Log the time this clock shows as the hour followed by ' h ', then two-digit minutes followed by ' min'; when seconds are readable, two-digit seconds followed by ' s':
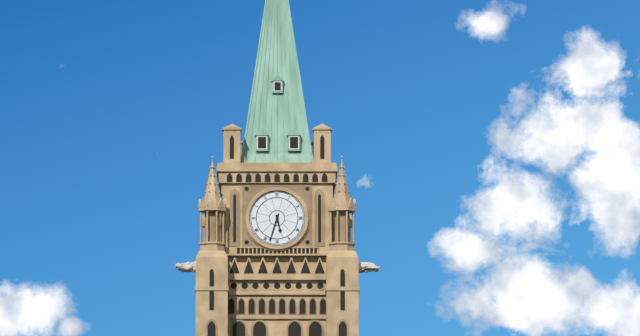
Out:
5 h 33 min
